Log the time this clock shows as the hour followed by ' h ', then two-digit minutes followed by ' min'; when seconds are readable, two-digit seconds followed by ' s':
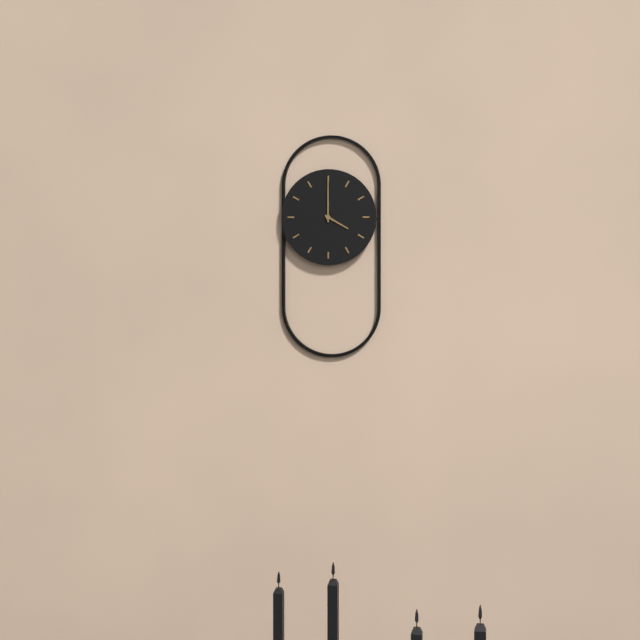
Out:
4 h 00 min
